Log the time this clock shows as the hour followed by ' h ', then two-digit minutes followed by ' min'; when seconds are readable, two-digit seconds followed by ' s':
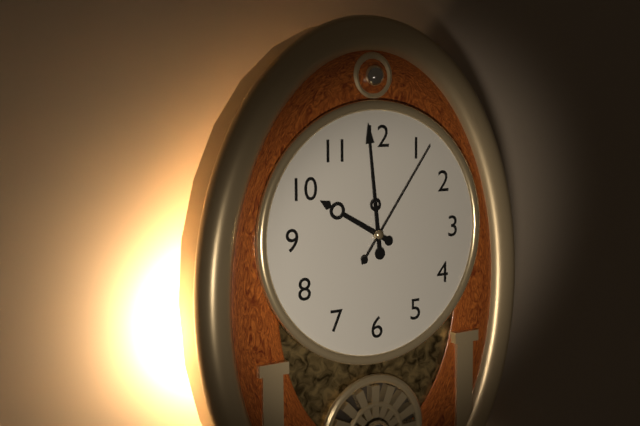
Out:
9 h 59 min 06 s
